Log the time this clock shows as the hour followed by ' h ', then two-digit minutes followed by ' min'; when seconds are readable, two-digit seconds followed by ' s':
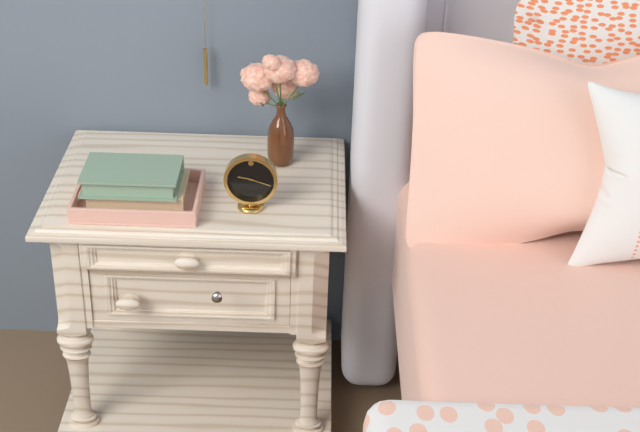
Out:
9 h 18 min
